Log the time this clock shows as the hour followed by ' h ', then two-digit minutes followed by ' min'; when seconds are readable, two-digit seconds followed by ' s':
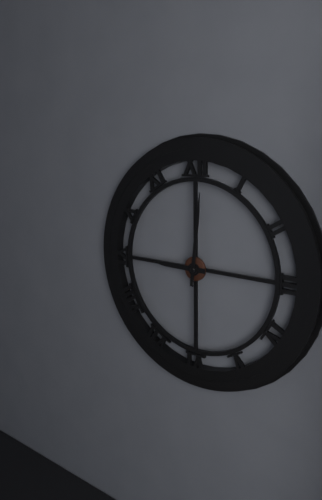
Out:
9 h 01 min
